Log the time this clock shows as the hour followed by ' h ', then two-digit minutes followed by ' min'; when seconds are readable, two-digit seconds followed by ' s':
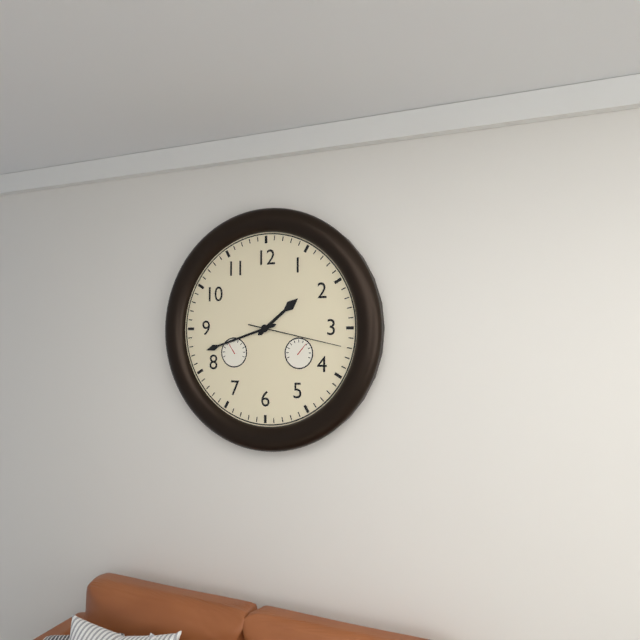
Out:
1 h 42 min 17 s
